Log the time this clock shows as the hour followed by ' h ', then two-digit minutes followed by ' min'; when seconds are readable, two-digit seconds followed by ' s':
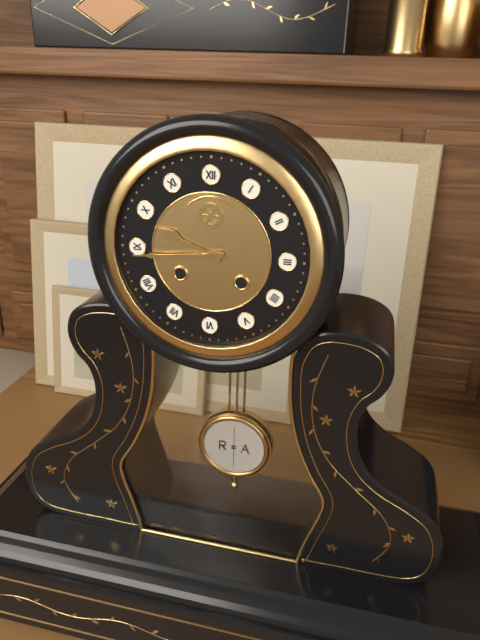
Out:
9 h 44 min
